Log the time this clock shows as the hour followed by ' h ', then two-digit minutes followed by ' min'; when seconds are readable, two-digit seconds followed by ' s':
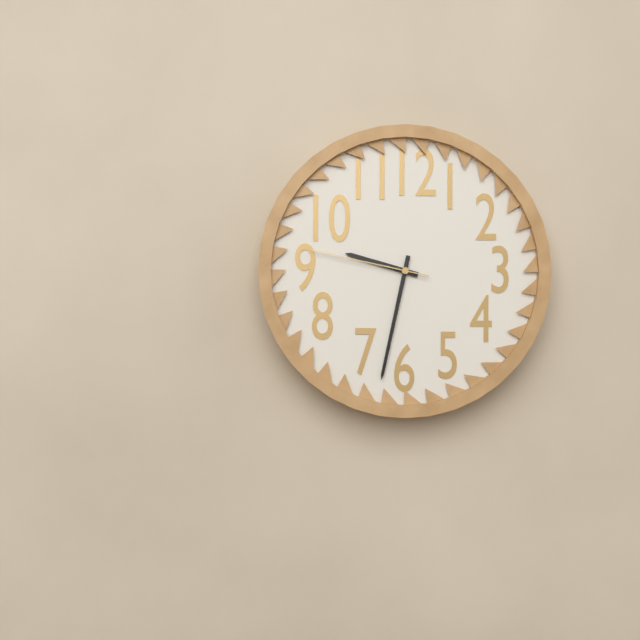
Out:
9 h 32 min 47 s
